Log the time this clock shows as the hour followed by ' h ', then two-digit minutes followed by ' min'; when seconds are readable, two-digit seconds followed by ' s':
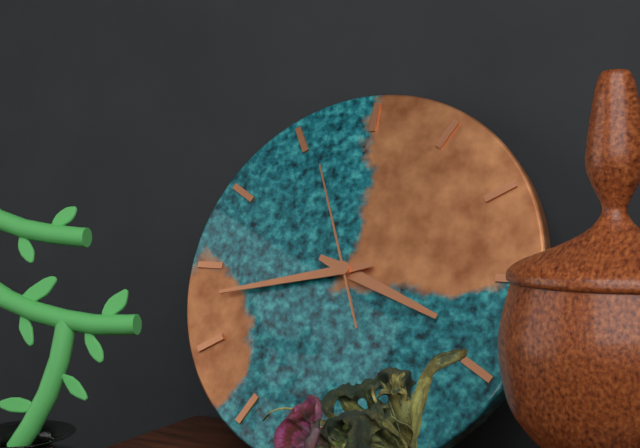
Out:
3 h 43 min 56 s
